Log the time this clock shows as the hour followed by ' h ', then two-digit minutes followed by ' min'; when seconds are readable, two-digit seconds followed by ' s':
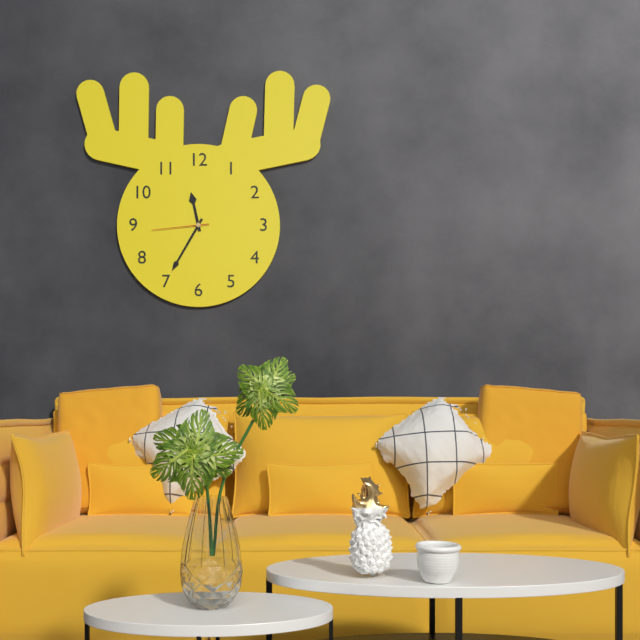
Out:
11 h 35 min 44 s
